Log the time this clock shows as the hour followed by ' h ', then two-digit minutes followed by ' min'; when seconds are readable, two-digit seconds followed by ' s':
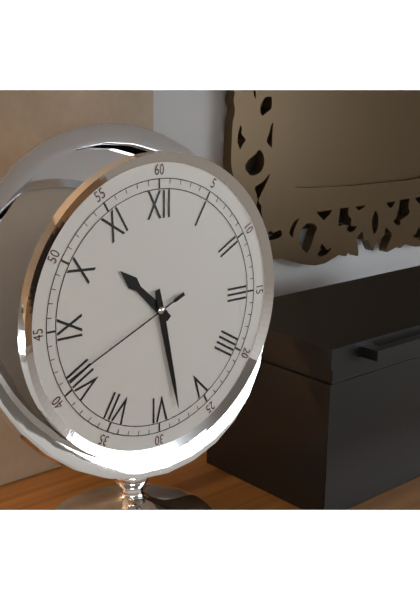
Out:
10 h 28 min 41 s
